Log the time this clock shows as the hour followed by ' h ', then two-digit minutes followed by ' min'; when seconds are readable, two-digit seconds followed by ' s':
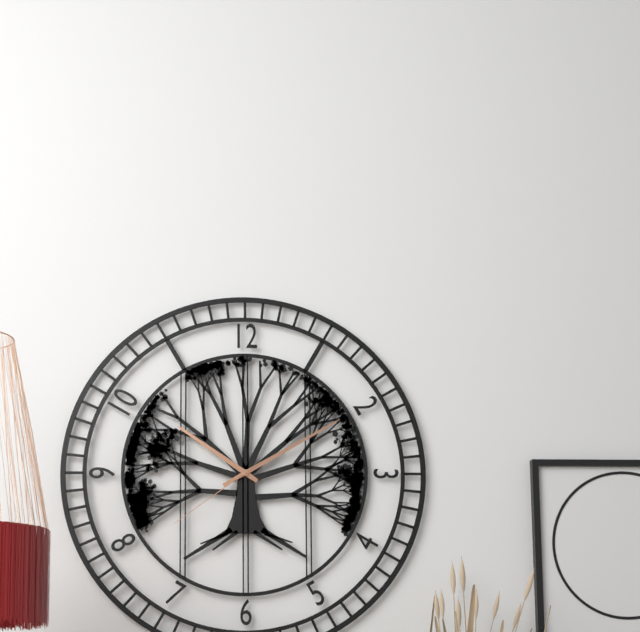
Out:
10 h 10 min 39 s
